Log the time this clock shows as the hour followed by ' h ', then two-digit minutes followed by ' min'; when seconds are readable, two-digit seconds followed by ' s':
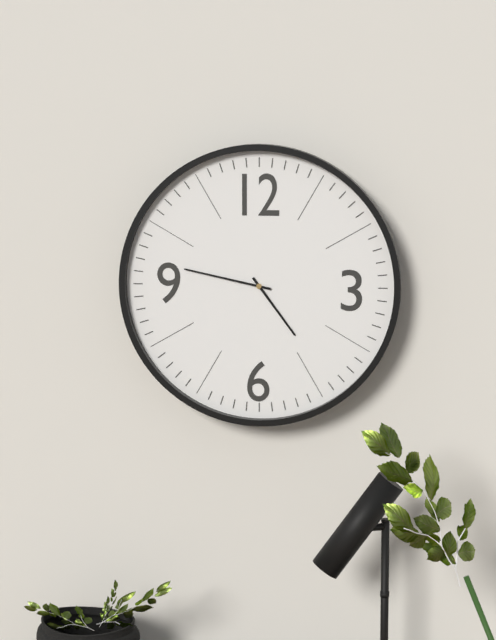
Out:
4 h 47 min
